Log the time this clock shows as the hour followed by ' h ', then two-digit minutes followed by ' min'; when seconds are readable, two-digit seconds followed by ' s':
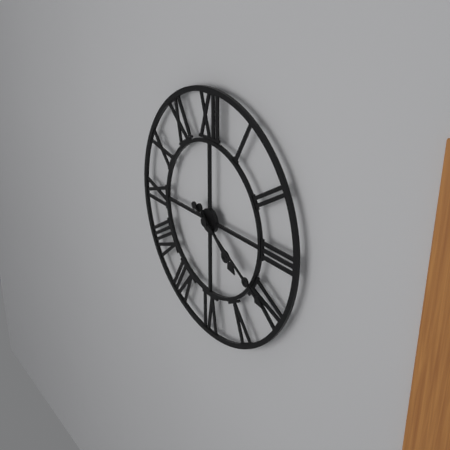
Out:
4 h 20 min
